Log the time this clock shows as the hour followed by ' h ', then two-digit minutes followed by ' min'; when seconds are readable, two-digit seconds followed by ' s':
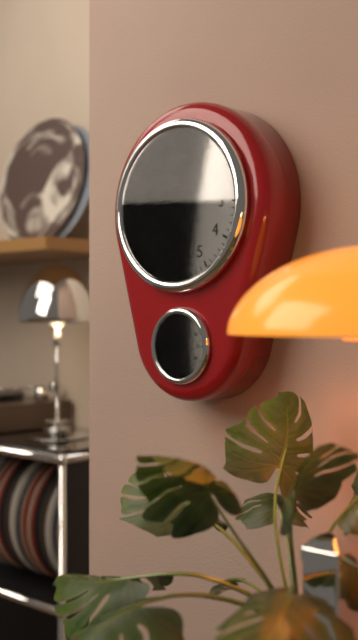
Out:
12 h 58 min 07 s
